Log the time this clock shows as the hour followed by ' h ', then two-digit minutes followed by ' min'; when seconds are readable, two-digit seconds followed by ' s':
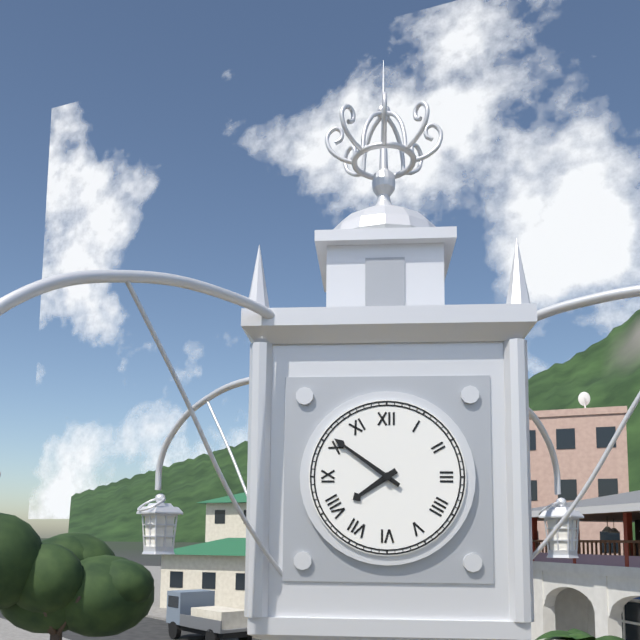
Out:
7 h 51 min
